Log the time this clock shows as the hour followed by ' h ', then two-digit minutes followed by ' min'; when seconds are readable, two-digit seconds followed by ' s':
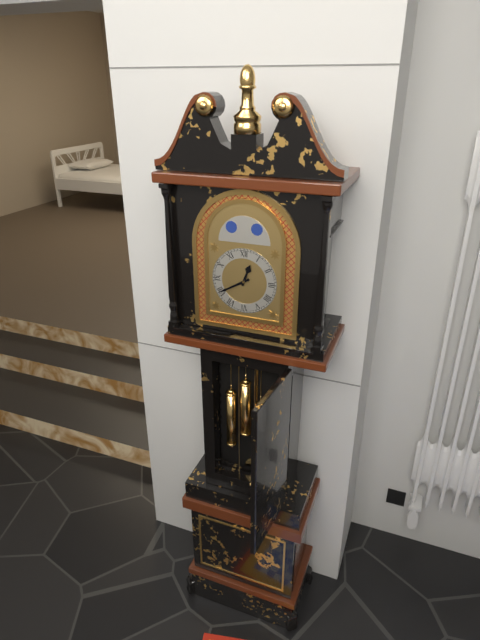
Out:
12 h 40 min
